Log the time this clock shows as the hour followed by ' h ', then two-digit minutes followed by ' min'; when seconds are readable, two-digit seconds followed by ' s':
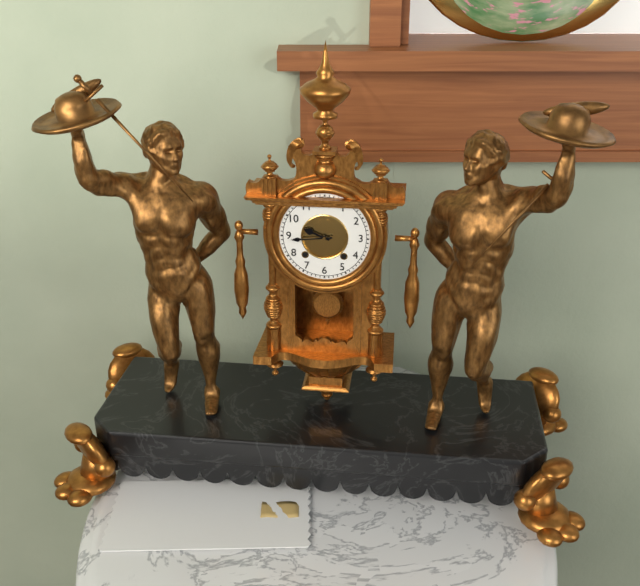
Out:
9 h 44 min
